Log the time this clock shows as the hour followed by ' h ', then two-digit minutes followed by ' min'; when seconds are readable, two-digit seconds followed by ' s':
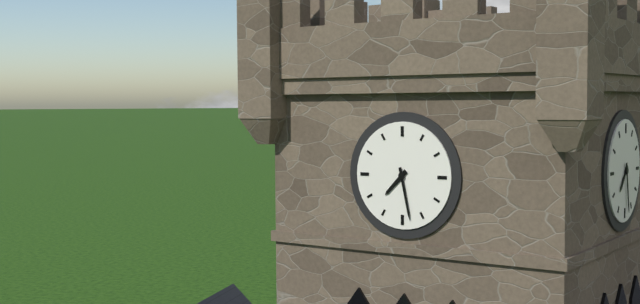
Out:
7 h 28 min
